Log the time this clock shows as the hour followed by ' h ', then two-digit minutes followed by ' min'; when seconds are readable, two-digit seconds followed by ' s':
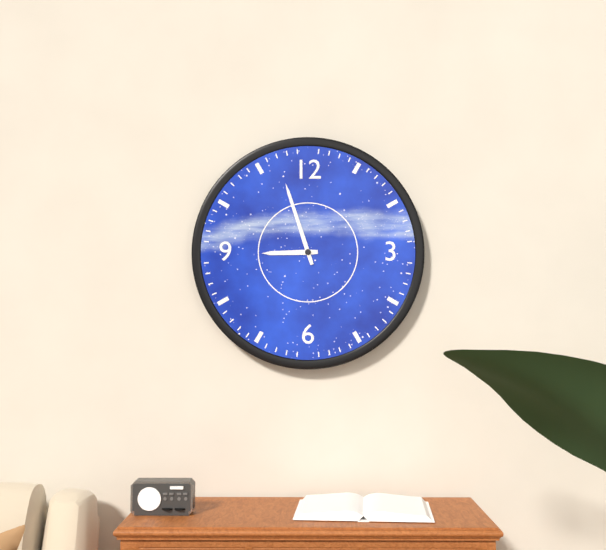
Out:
8 h 57 min
